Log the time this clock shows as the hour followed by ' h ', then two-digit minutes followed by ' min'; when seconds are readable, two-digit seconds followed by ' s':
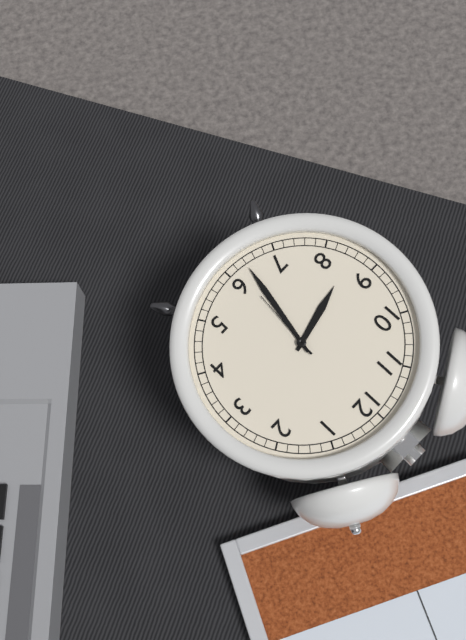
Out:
8 h 32 min 31 s
